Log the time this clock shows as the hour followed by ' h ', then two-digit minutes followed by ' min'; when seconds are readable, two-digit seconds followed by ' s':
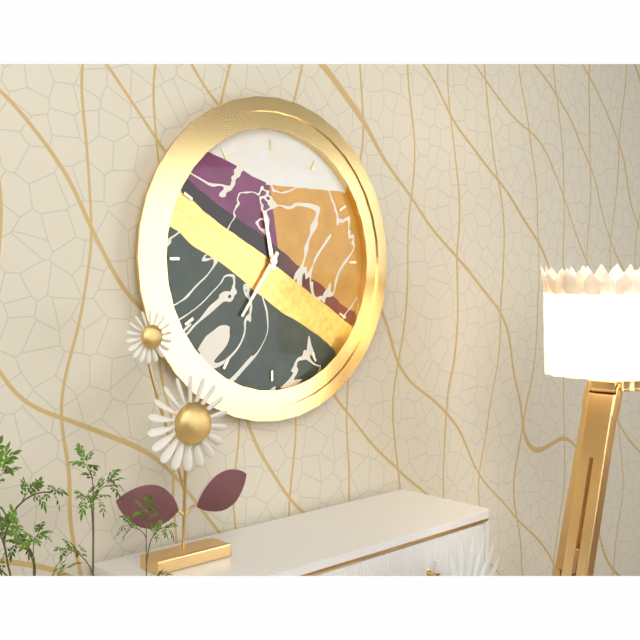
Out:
11 h 36 min
